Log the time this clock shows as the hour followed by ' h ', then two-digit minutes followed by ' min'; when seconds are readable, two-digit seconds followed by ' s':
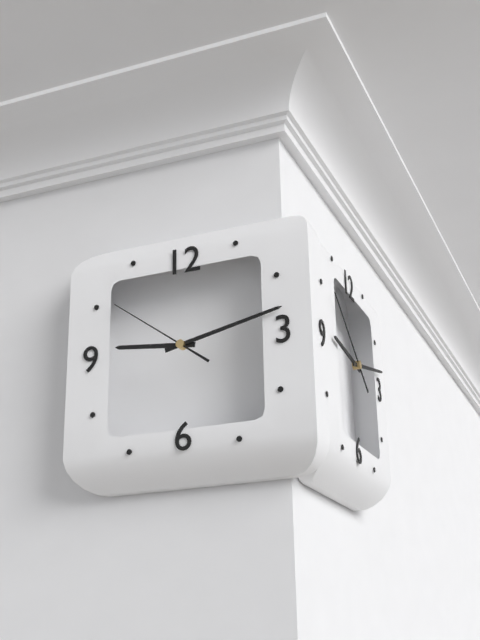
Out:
9 h 13 min 51 s
